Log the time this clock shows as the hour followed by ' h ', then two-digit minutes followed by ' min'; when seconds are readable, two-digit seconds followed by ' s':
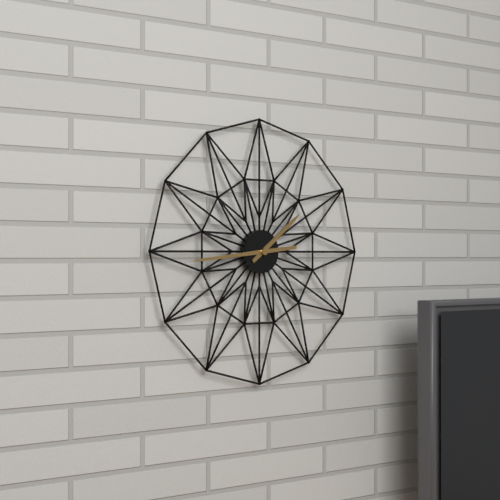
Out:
1 h 44 min
